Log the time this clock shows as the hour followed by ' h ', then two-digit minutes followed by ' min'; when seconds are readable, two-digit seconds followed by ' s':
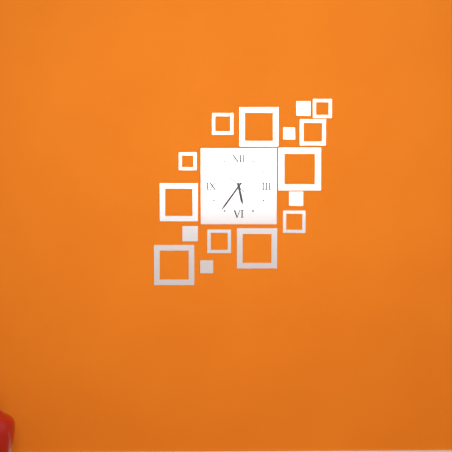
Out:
5 h 36 min 53 s
